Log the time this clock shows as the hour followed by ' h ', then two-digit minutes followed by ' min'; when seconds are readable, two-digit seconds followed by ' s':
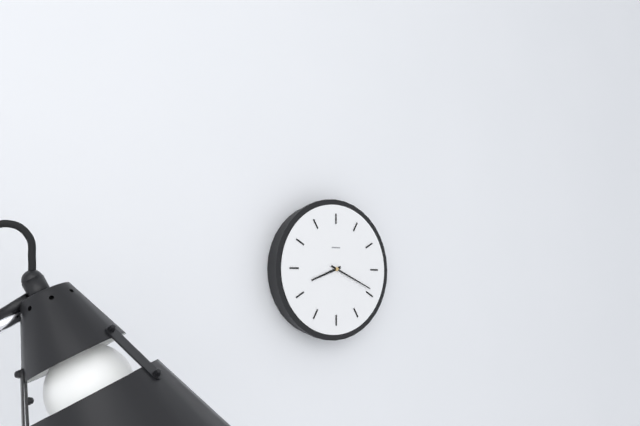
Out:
8 h 19 min
